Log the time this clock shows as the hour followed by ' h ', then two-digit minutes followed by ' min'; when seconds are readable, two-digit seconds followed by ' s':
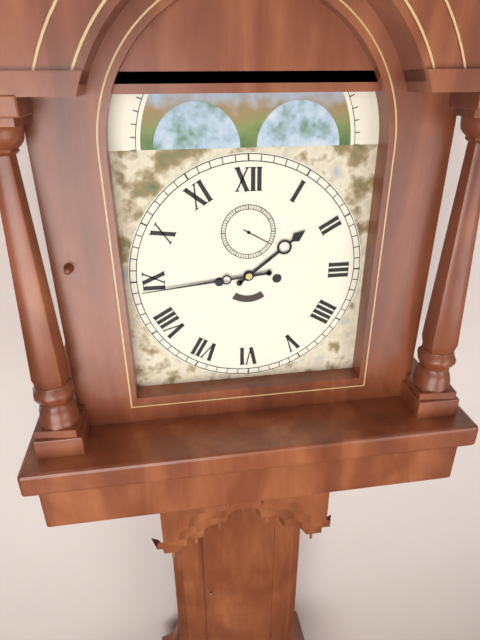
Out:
1 h 44 min
